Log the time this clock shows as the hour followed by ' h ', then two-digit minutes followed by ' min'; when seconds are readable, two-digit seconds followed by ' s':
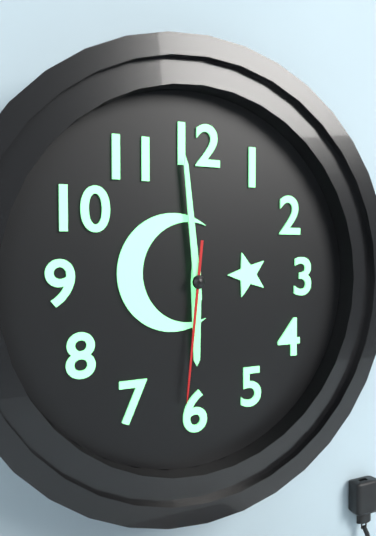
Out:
5 h 59 min 31 s
